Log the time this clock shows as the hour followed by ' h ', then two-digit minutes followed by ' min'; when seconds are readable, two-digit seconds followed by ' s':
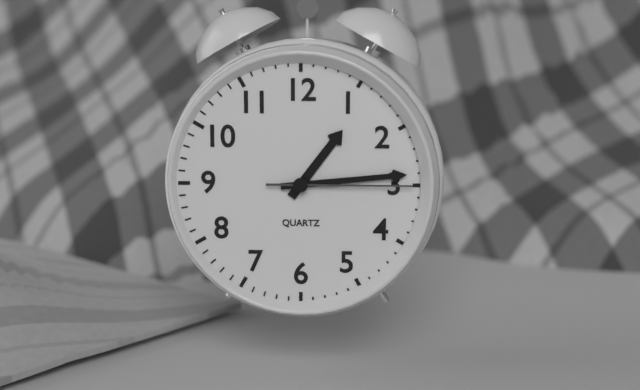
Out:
1 h 14 min 15 s
